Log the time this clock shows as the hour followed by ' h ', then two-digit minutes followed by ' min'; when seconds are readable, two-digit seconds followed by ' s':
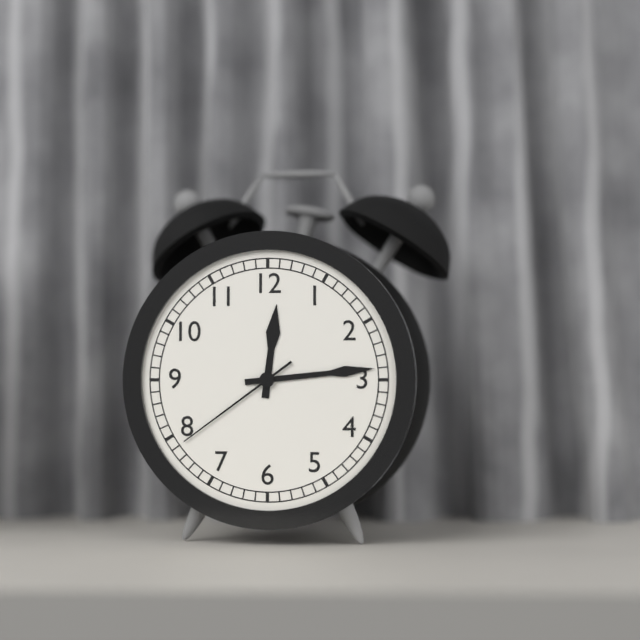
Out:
12 h 14 min 39 s
